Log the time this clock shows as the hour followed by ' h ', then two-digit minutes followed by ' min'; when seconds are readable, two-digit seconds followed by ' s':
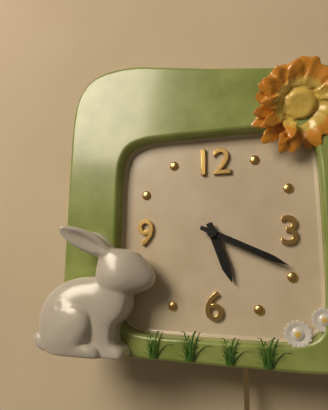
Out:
5 h 19 min
